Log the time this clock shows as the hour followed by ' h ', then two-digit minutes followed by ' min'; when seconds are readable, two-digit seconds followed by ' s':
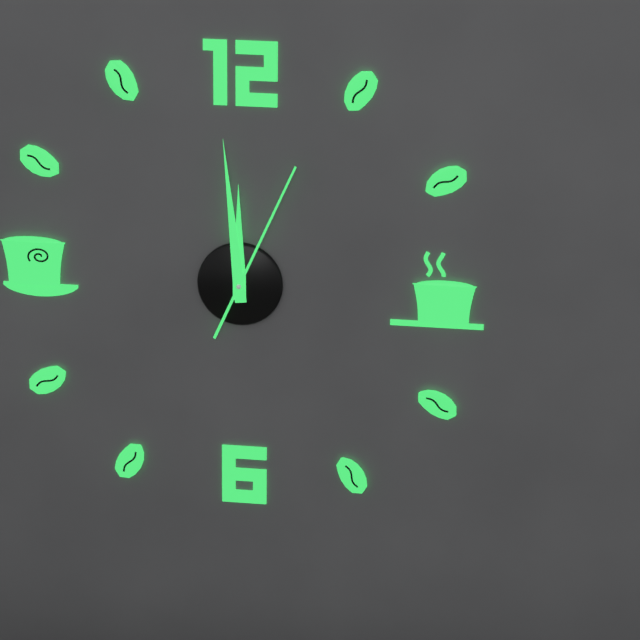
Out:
11 h 59 min 04 s
